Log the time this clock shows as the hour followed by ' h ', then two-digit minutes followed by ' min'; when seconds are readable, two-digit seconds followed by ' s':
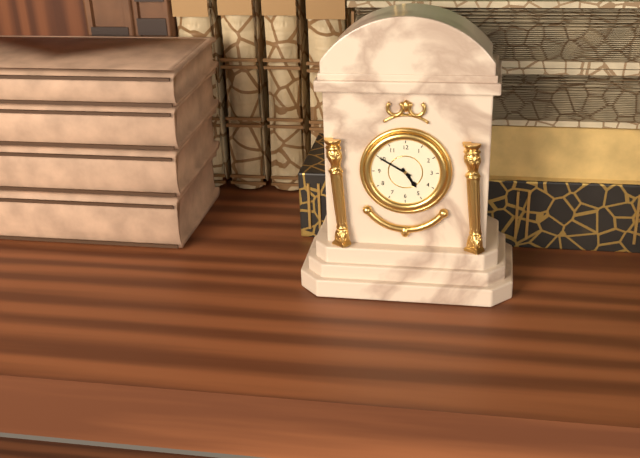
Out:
4 h 50 min
